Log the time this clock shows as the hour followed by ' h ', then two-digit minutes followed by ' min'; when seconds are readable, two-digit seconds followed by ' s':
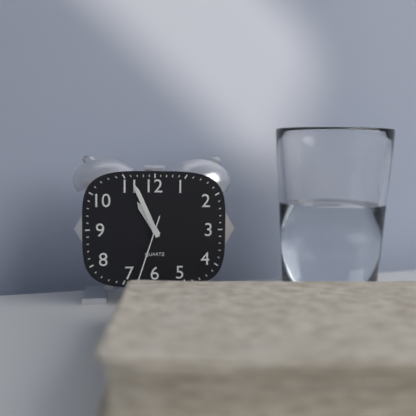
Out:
10 h 56 min 33 s
